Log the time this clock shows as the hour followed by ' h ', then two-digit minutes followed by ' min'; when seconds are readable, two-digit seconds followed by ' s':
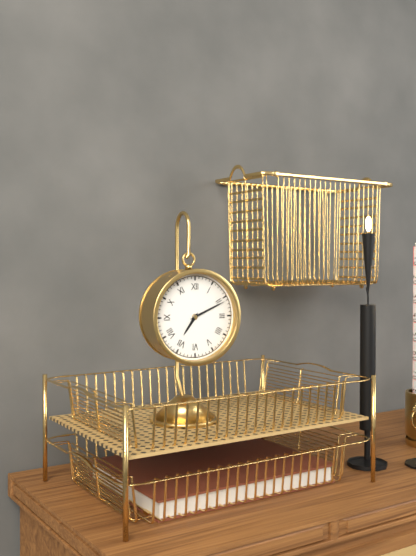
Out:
7 h 11 min
